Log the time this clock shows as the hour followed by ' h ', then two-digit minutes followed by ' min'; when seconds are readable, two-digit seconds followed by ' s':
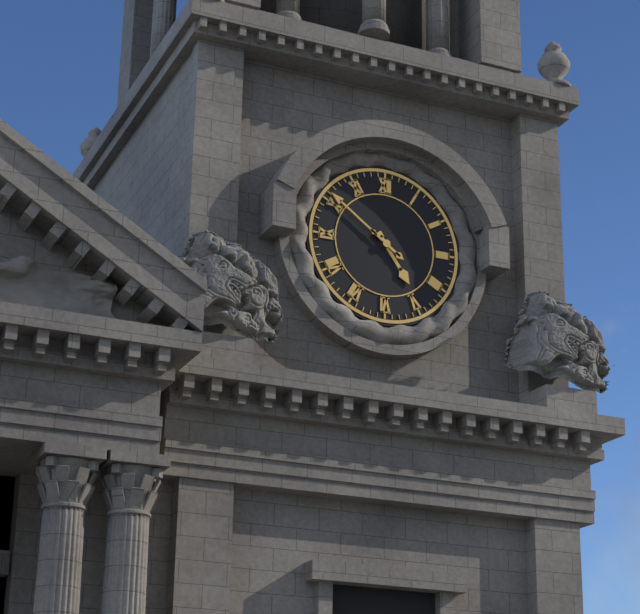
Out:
4 h 51 min
